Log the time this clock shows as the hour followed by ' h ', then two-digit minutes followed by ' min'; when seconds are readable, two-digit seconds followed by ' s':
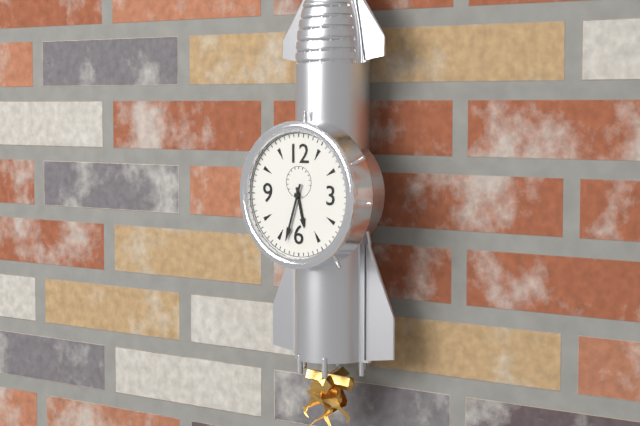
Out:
5 h 33 min
